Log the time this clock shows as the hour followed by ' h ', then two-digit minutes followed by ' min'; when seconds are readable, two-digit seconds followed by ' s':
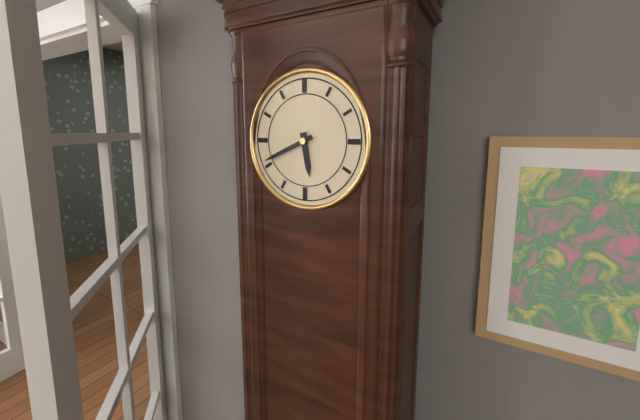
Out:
5 h 41 min
